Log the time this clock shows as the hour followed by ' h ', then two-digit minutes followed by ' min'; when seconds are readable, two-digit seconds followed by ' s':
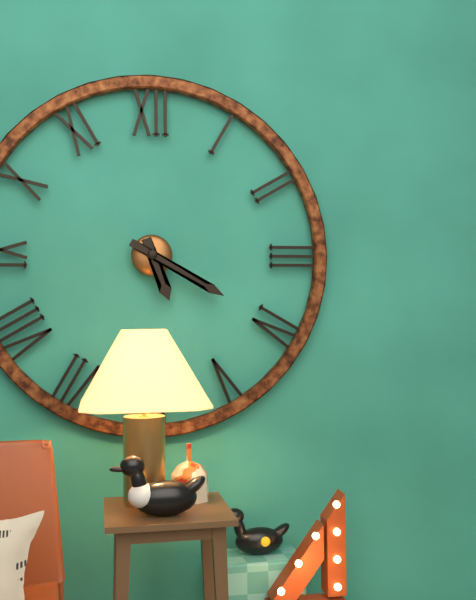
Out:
5 h 20 min
